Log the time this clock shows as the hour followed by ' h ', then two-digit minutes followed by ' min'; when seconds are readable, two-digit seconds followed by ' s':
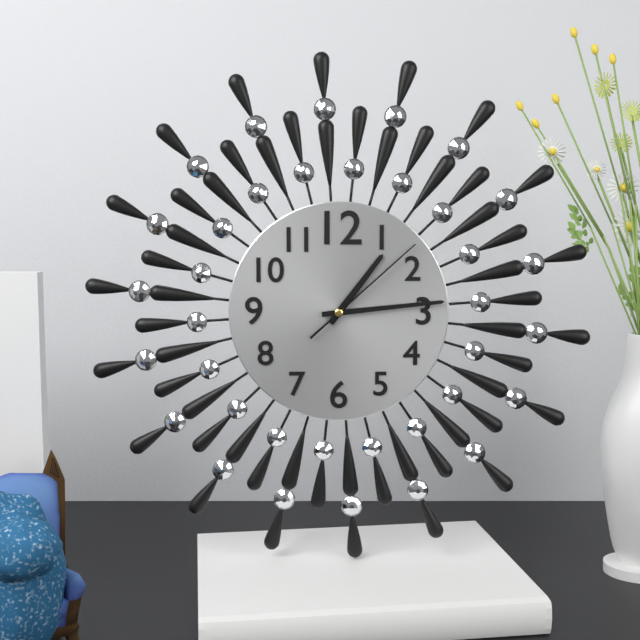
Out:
1 h 14 min 08 s
